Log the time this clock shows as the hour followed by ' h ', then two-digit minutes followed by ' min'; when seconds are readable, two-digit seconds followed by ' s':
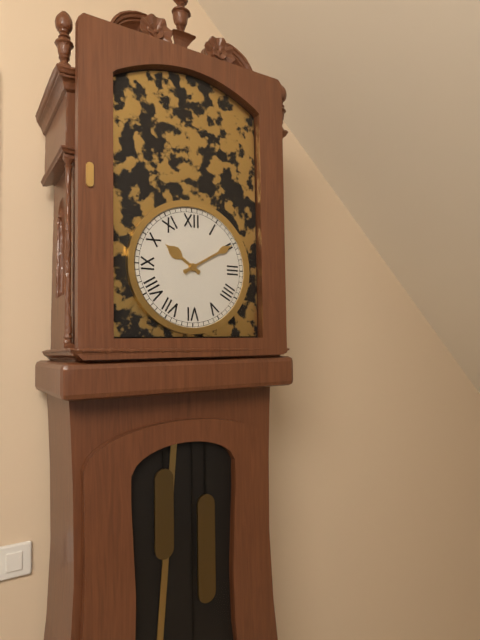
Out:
10 h 10 min
